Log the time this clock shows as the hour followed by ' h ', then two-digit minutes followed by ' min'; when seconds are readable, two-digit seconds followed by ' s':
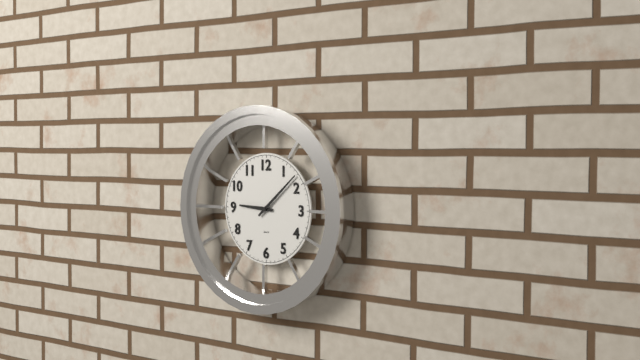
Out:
9 h 08 min
